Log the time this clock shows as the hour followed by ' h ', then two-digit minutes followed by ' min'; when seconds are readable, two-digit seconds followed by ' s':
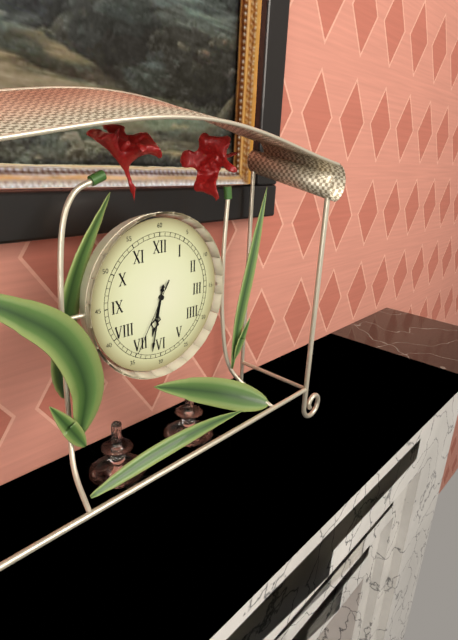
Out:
6 h 32 min 35 s
